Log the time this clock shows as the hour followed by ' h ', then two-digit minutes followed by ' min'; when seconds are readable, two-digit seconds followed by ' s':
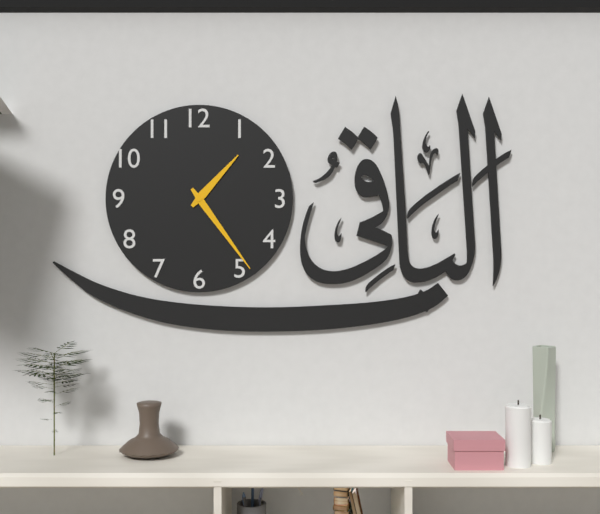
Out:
1 h 24 min
